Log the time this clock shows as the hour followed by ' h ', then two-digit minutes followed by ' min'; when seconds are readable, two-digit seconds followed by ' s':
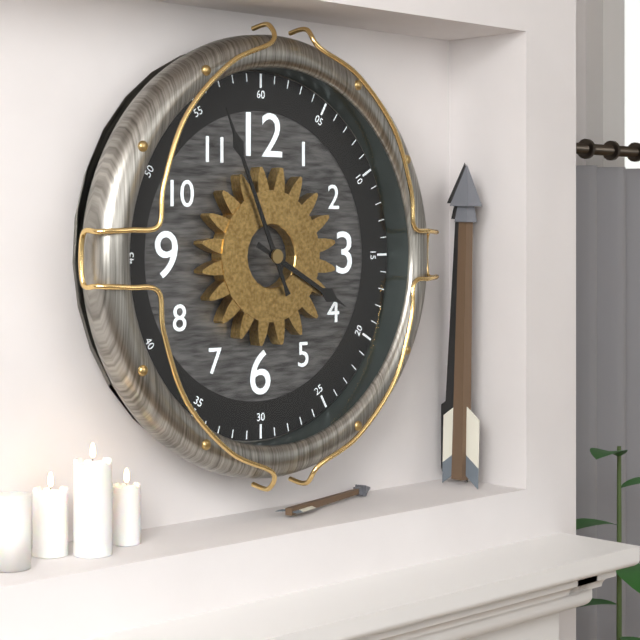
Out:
3 h 56 min
